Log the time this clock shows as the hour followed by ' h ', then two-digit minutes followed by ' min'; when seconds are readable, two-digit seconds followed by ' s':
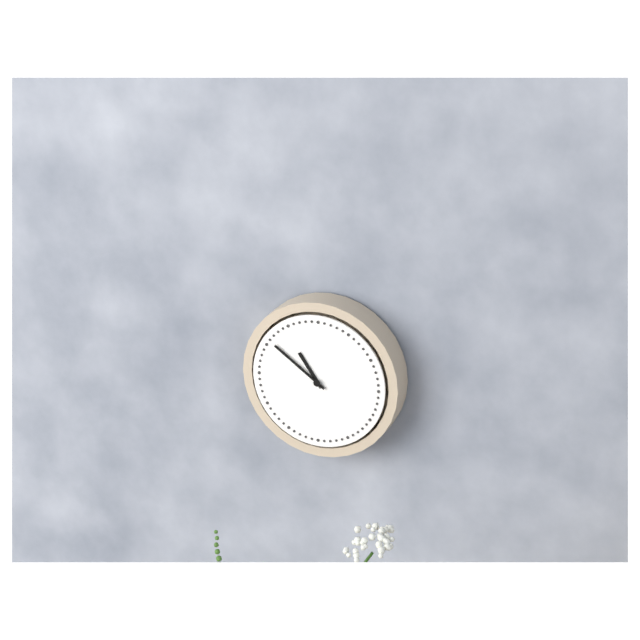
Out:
10 h 51 min
